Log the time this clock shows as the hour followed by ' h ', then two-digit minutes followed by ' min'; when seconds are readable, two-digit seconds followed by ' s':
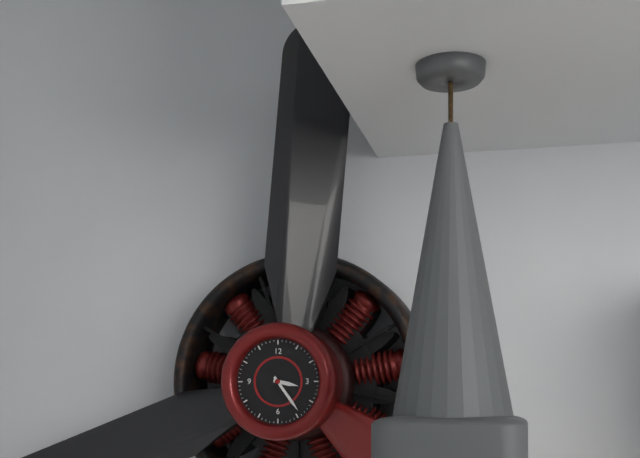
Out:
3 h 24 min
